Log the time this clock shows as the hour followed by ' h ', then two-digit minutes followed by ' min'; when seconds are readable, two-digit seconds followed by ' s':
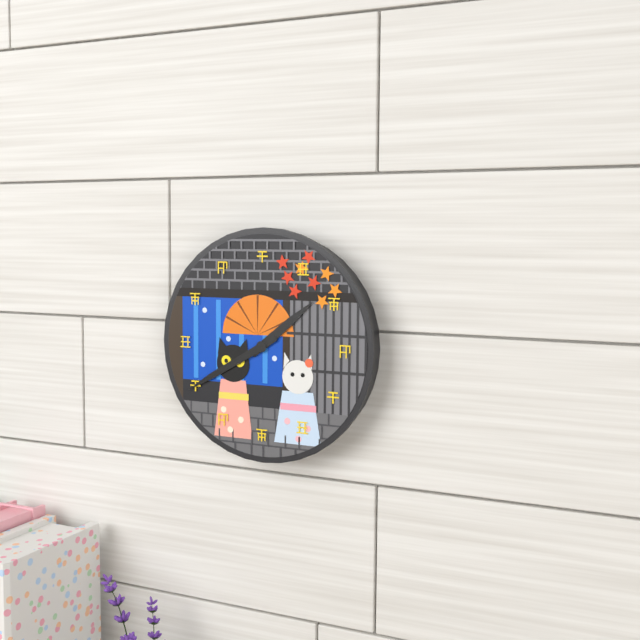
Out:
1 h 40 min
